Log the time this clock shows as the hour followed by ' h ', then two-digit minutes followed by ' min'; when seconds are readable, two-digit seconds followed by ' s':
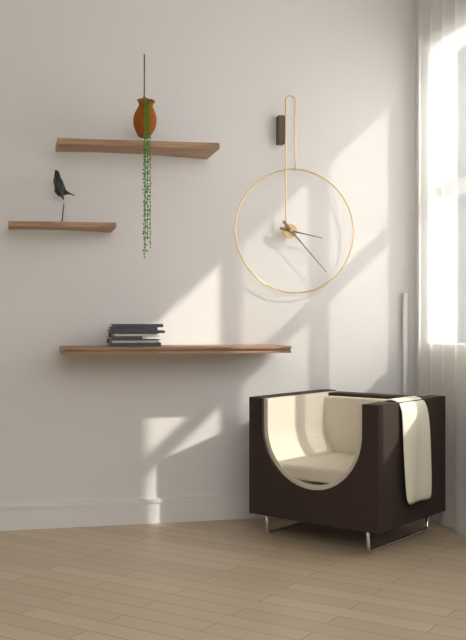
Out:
3 h 23 min
